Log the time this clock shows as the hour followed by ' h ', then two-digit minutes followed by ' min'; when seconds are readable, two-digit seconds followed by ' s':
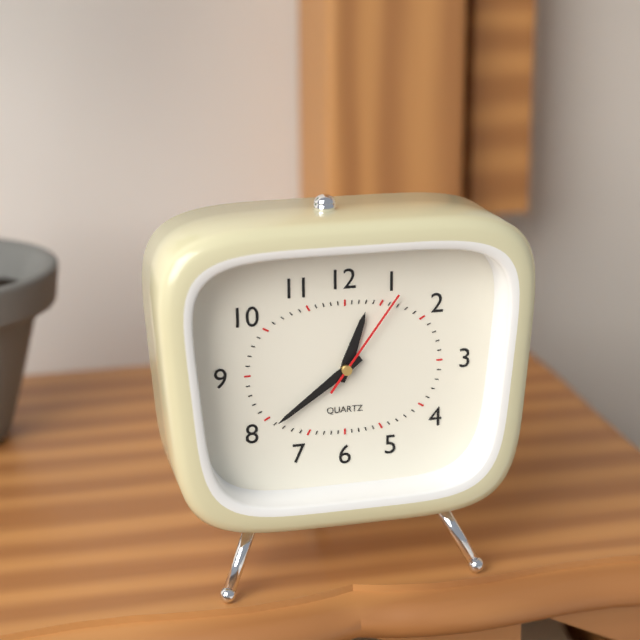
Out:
12 h 39 min 06 s
